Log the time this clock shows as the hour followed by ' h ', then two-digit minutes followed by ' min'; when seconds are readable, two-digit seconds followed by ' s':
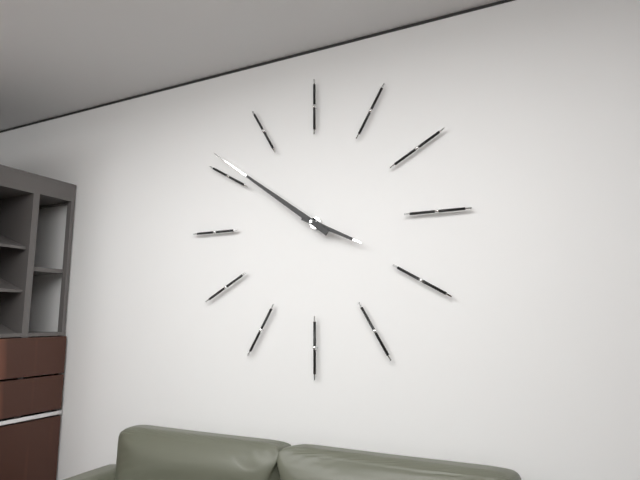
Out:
3 h 51 min
